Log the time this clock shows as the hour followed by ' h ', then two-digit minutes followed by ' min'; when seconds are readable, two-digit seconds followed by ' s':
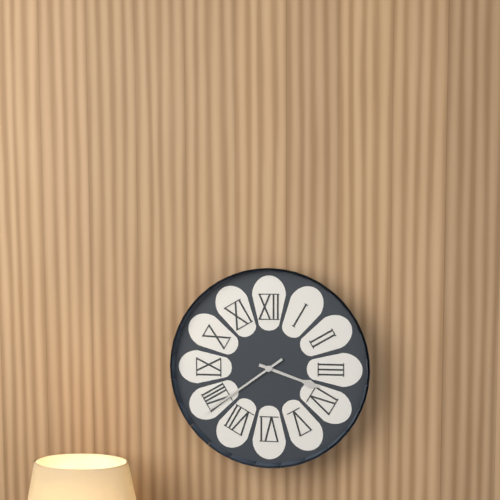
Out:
3 h 39 min
